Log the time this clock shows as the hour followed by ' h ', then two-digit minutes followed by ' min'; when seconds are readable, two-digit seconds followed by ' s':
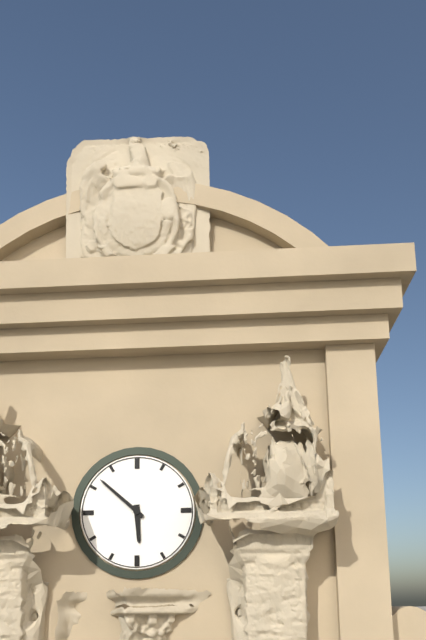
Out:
5 h 52 min
